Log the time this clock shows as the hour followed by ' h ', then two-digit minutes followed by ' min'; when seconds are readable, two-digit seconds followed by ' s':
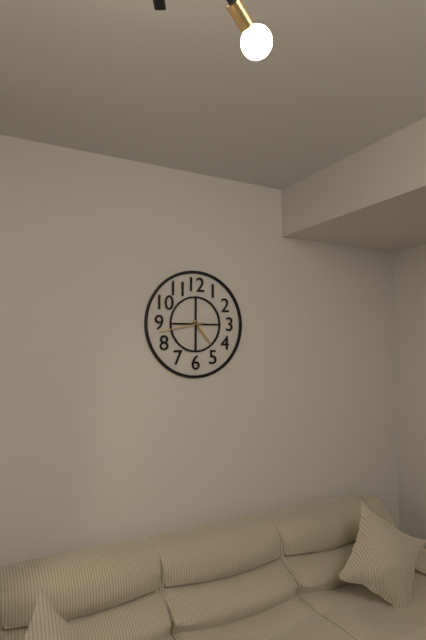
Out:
4 h 43 min
